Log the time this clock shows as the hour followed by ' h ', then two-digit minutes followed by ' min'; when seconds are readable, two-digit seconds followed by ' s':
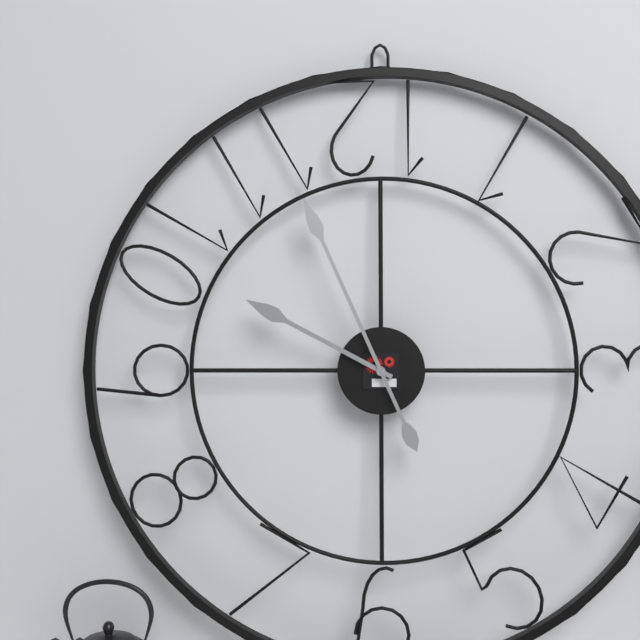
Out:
9 h 56 min
